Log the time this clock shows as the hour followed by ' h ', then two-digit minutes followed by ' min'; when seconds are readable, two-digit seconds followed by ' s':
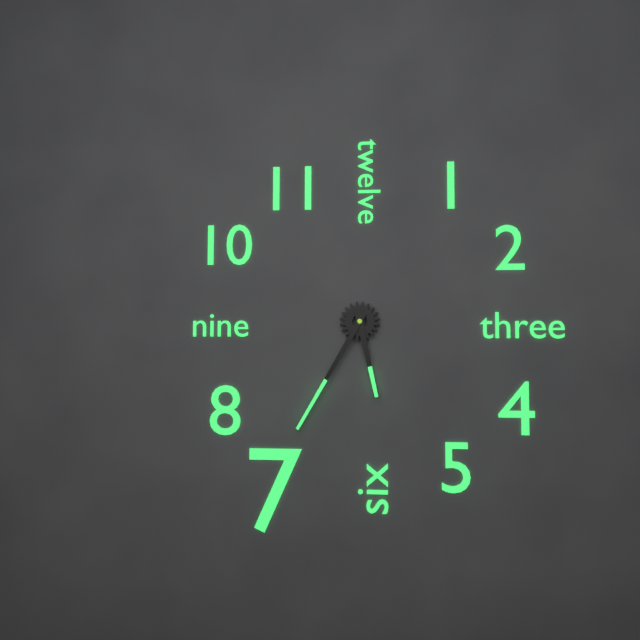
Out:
5 h 35 min
